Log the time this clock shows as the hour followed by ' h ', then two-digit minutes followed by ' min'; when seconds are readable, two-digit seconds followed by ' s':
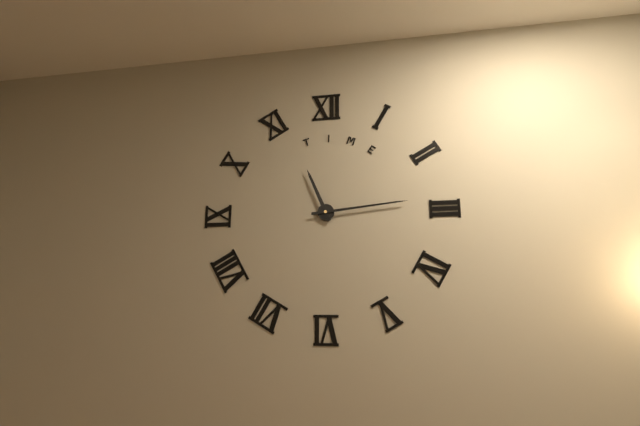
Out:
11 h 14 min
